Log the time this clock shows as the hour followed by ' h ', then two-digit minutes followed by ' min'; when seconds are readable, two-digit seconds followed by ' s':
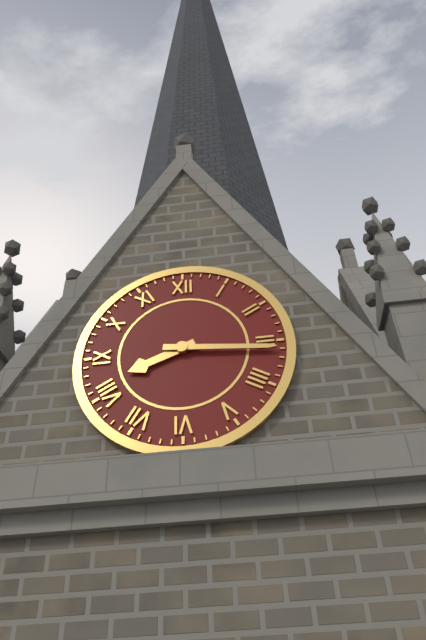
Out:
8 h 16 min
